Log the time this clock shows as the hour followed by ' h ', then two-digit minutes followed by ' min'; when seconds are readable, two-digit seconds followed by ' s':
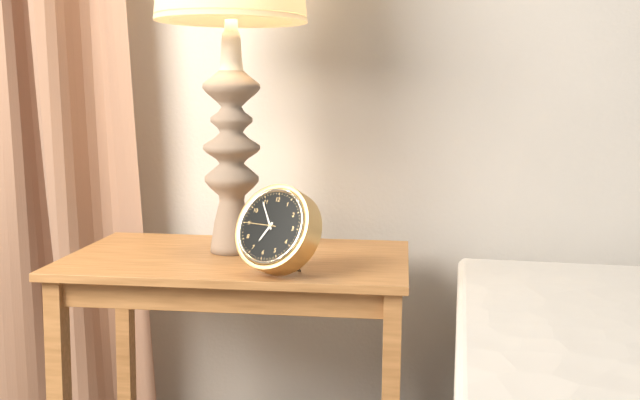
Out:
6 h 54 min
